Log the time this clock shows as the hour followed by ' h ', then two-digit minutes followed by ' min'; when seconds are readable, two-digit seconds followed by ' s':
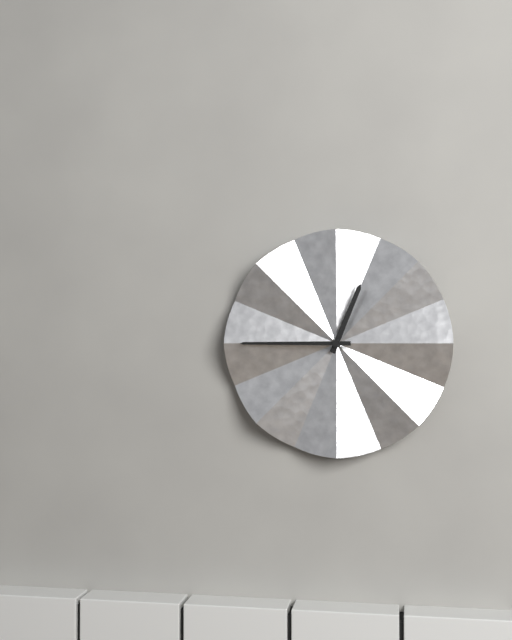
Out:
12 h 45 min
